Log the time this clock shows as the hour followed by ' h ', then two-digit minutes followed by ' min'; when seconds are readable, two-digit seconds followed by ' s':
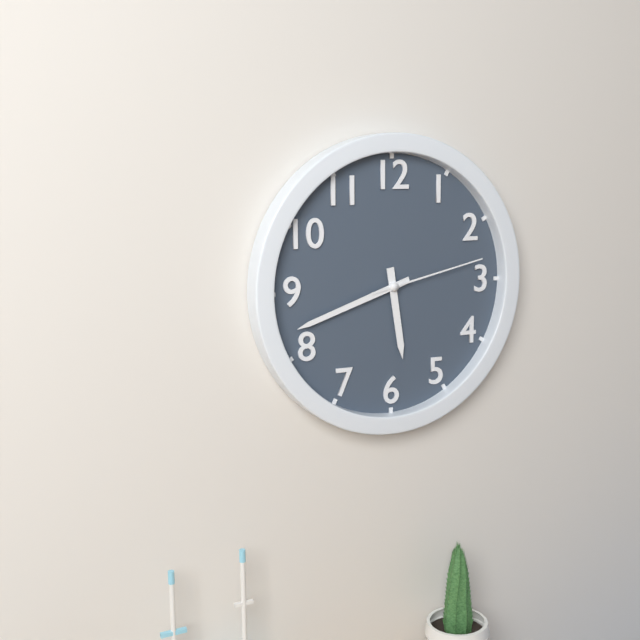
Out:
5 h 42 min 13 s
